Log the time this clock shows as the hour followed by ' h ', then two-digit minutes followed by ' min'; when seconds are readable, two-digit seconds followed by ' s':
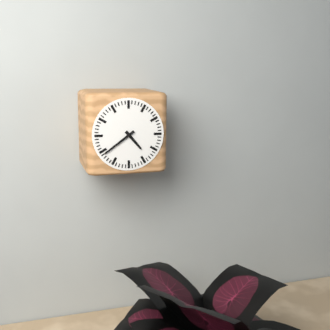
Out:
4 h 39 min
